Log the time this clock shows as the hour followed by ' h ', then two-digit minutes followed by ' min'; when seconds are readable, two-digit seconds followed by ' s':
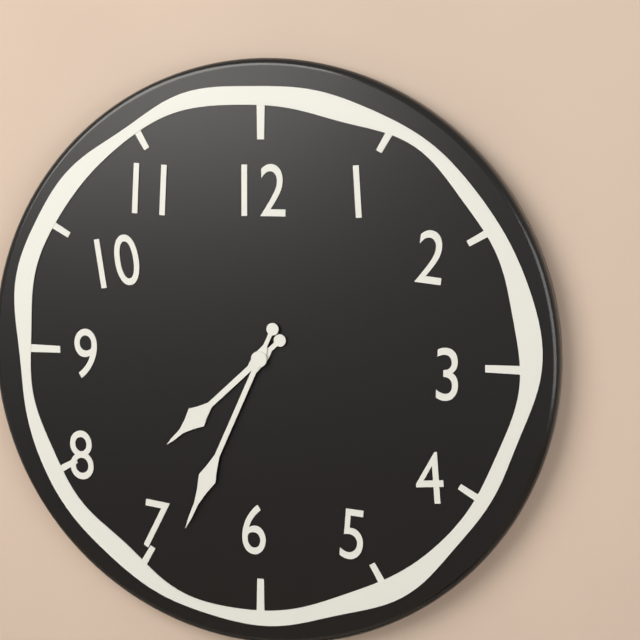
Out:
7 h 34 min
